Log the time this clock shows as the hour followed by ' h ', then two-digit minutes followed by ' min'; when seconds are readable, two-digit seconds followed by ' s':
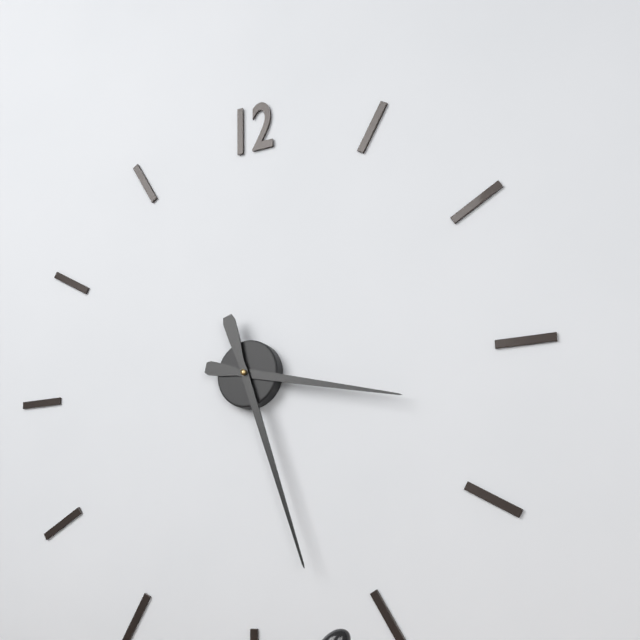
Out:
3 h 27 min
